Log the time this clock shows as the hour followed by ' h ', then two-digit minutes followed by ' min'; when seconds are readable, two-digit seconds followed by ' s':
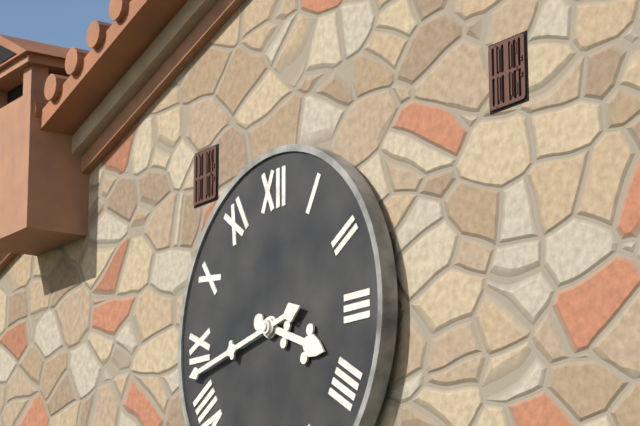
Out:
3 h 43 min
